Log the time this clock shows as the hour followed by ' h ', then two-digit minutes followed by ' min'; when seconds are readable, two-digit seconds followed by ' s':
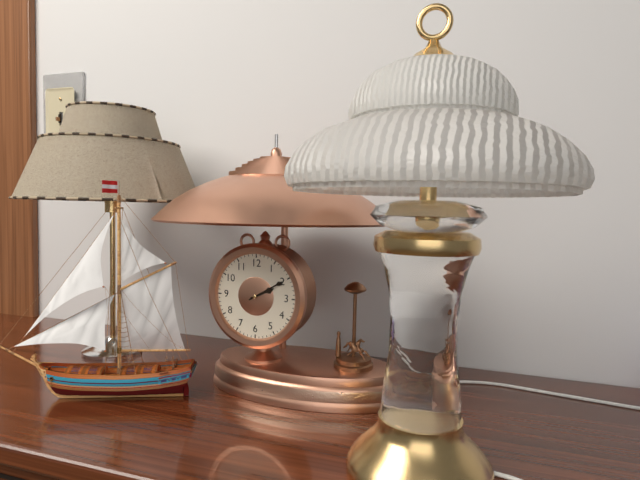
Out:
2 h 10 min
